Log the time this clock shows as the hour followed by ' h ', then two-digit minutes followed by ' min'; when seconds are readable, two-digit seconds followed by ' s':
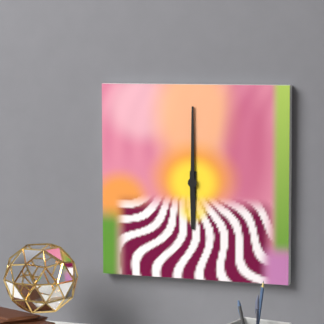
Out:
6 h 00 min
